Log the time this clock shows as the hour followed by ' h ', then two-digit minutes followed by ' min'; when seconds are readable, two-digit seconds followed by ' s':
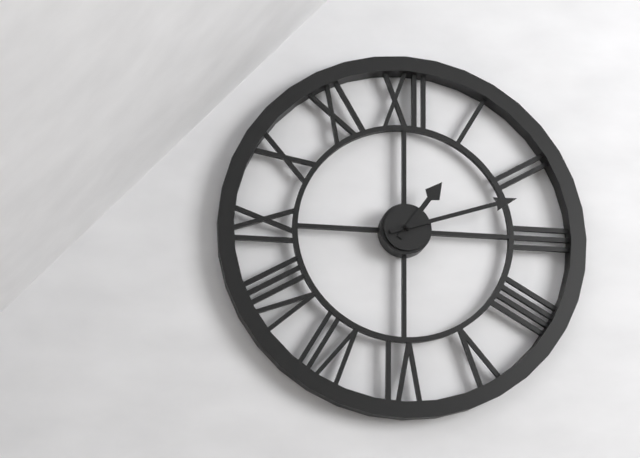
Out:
1 h 12 min
